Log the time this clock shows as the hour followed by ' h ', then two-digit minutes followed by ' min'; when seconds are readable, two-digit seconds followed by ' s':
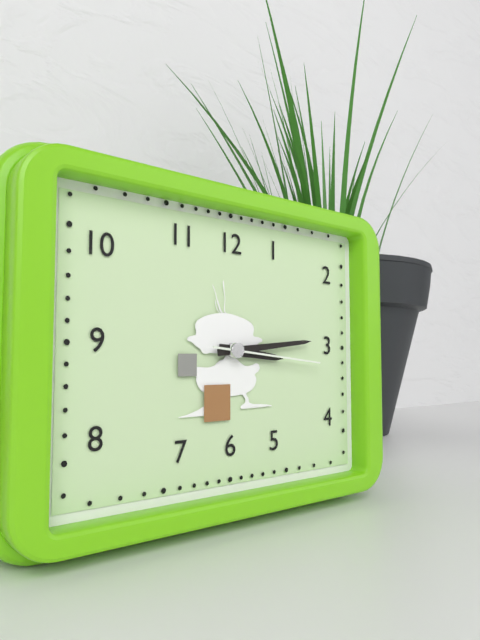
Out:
3 h 14 min 16 s
